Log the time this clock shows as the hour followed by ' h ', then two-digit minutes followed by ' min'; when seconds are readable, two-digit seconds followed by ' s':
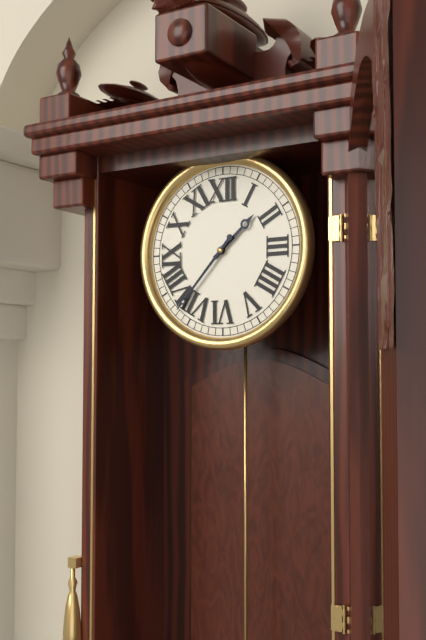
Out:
1 h 37 min
